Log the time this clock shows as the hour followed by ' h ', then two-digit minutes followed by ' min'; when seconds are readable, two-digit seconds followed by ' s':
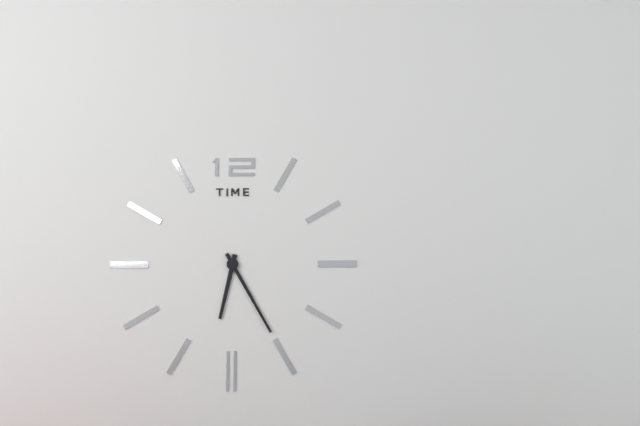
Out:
6 h 25 min
